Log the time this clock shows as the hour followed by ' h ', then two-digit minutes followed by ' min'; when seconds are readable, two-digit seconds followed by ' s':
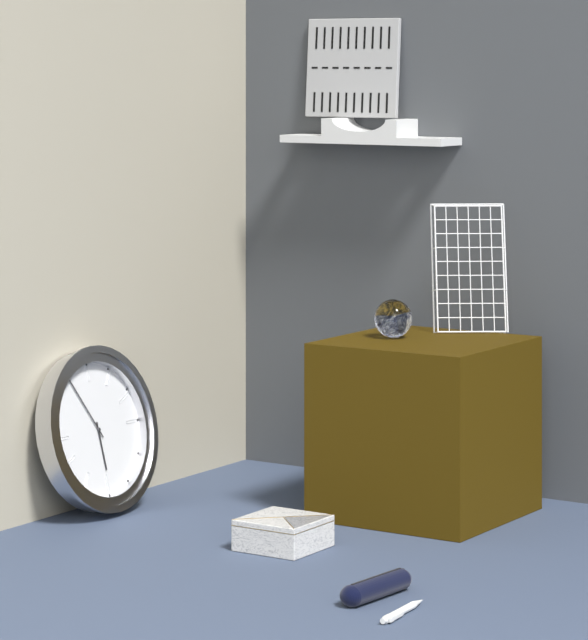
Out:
5 h 55 min
